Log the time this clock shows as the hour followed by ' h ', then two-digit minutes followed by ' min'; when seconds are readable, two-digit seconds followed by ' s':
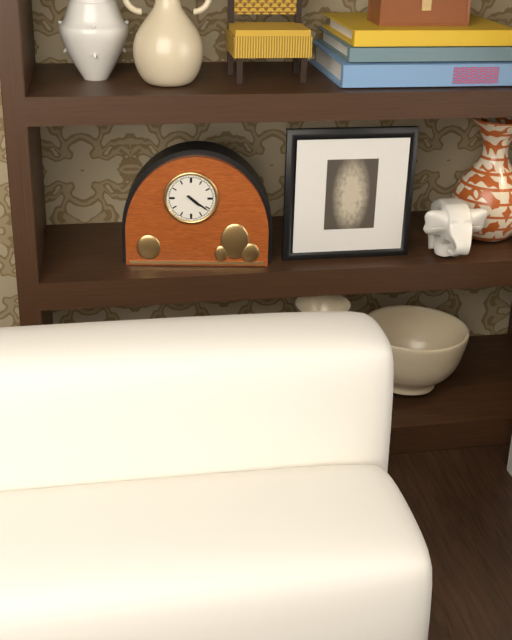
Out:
4 h 21 min
